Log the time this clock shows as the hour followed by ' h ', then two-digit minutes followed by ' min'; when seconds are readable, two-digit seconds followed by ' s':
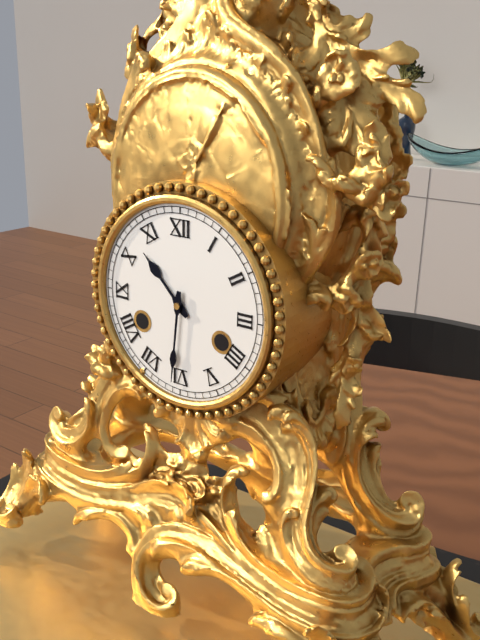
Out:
10 h 31 min
